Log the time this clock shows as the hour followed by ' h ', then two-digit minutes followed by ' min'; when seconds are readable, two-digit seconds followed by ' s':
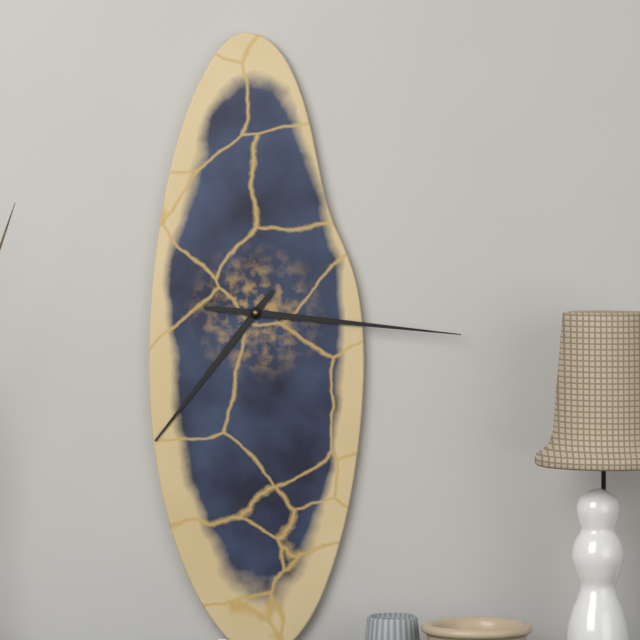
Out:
7 h 16 min
